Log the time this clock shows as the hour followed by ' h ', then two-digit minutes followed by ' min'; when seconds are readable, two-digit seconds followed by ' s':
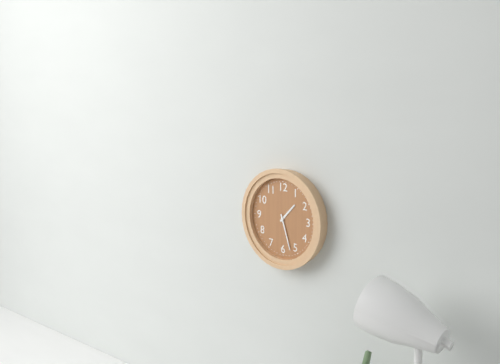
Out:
1 h 27 min
